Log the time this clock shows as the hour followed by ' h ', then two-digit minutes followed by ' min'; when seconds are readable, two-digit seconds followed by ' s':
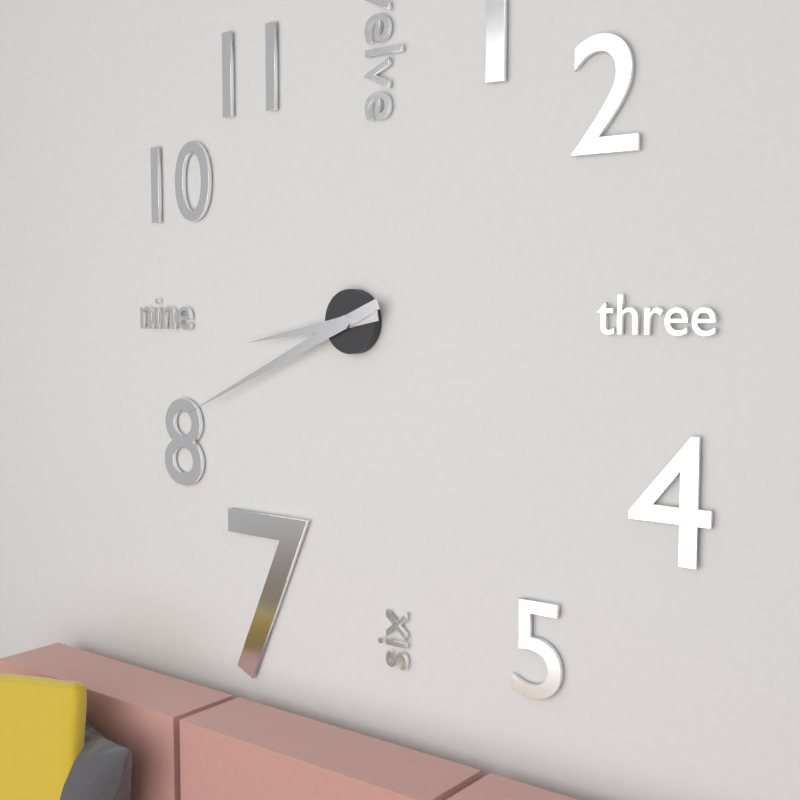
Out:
8 h 41 min
